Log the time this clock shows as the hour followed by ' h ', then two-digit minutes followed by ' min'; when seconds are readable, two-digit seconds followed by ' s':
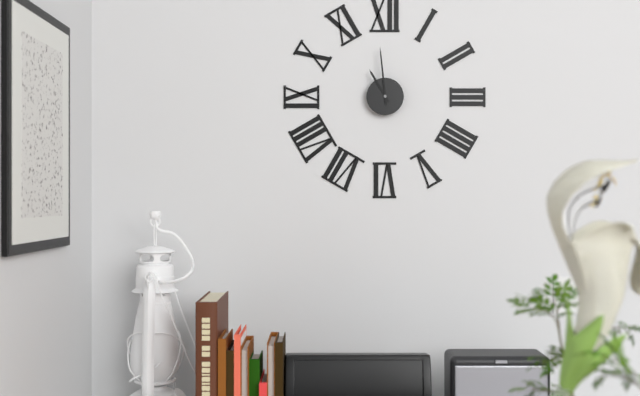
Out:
10 h 59 min
